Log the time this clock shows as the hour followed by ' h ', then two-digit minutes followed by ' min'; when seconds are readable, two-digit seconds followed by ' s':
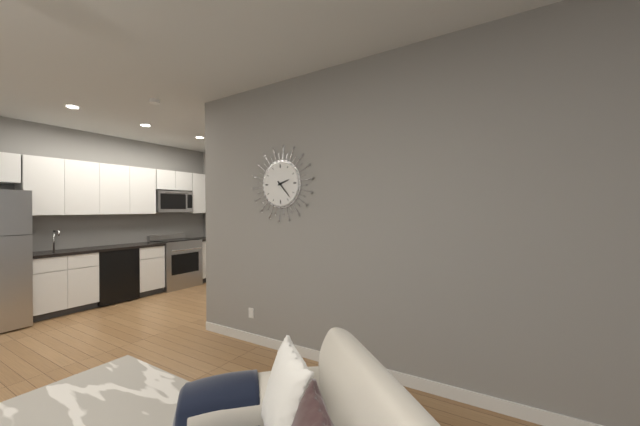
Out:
2 h 23 min
